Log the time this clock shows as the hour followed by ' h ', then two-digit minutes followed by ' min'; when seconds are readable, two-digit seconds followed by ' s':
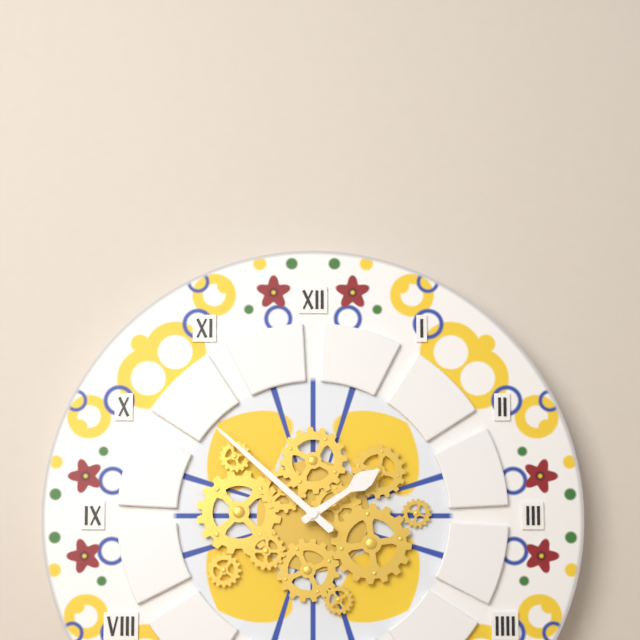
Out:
1 h 52 min
